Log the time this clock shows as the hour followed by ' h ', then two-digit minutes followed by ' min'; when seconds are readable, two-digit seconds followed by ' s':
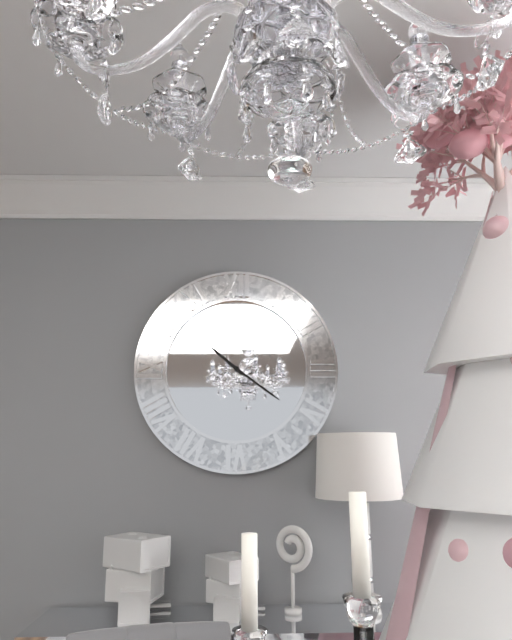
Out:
10 h 21 min
